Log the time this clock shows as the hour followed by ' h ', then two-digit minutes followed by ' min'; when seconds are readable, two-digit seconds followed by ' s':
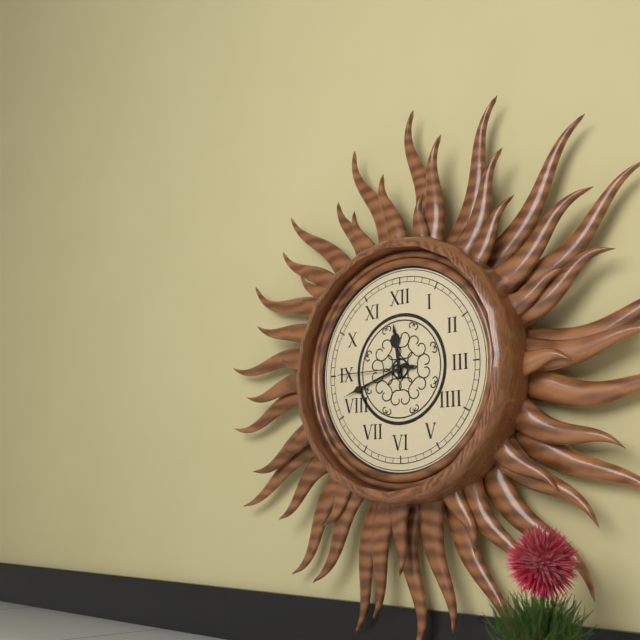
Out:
11 h 42 min 45 s
